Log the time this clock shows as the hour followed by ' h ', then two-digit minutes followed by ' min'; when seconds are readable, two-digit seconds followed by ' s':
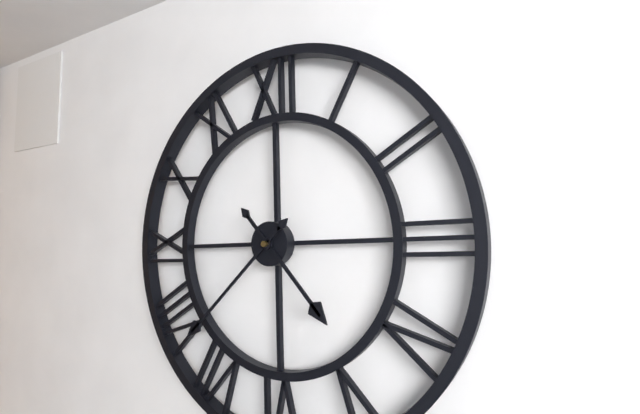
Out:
4 h 38 min
